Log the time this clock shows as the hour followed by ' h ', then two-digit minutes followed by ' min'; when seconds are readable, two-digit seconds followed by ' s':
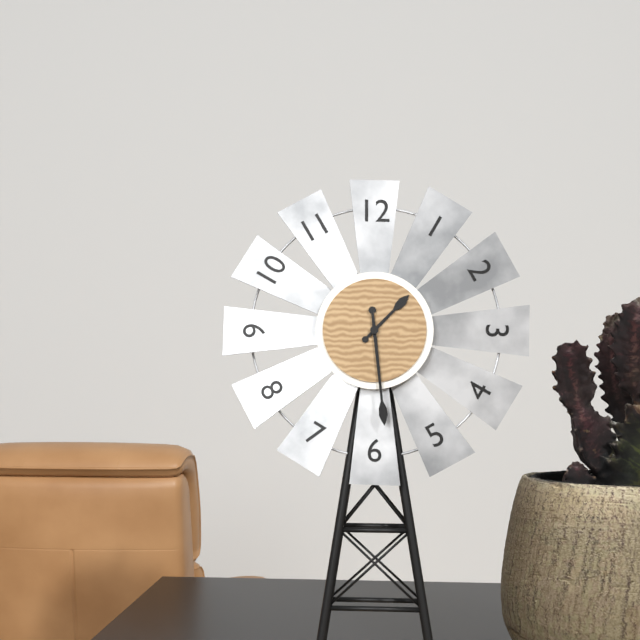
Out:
1 h 29 min
